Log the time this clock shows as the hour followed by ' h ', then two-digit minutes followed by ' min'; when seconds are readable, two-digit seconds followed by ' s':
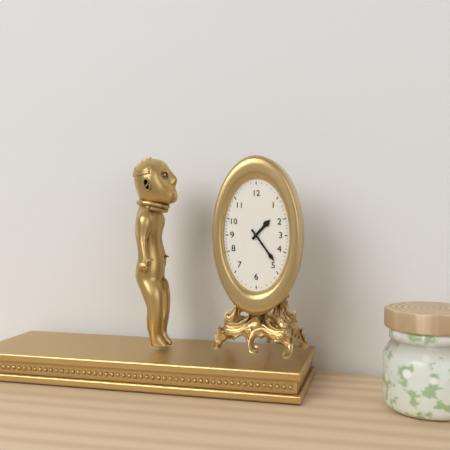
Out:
1 h 24 min
